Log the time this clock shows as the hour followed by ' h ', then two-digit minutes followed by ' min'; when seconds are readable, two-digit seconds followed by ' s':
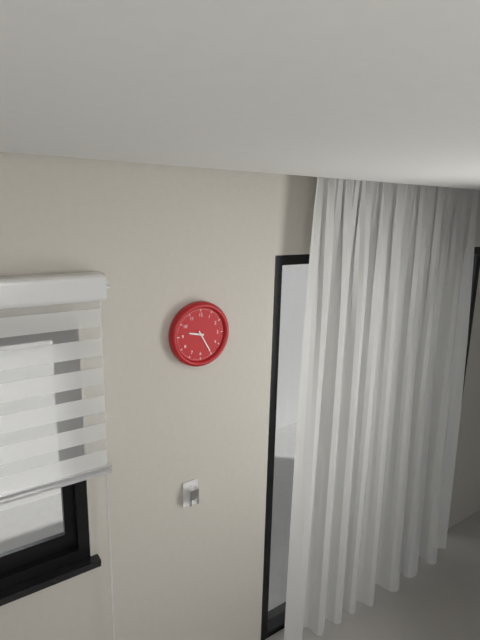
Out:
9 h 25 min
